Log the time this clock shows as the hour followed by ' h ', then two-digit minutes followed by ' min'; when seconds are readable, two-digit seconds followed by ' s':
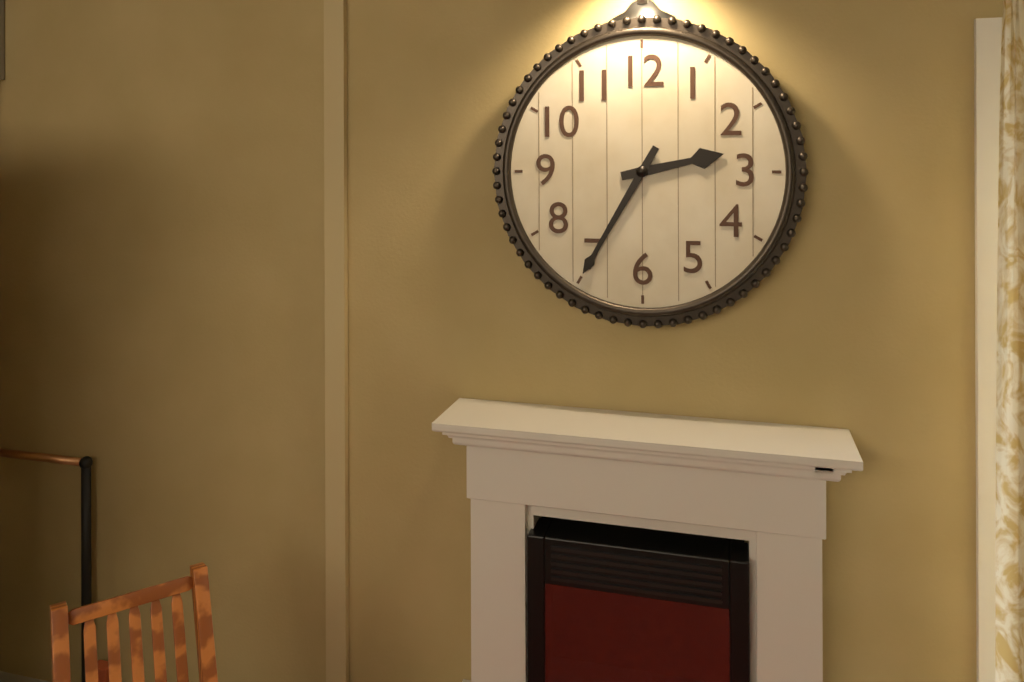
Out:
2 h 35 min
